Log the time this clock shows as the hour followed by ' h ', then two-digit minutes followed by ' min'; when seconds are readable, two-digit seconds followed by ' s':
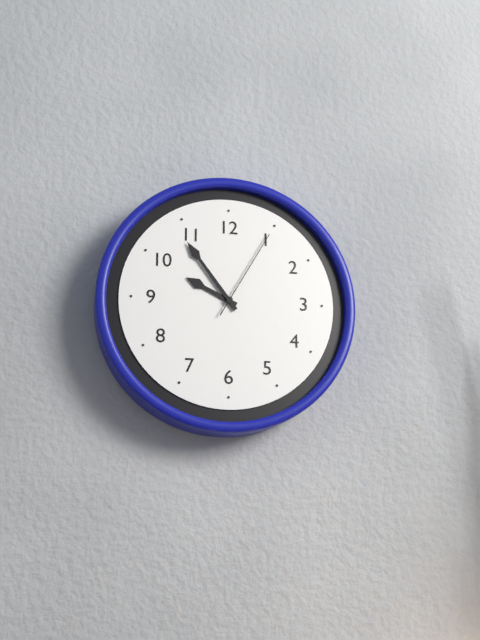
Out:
9 h 54 min 05 s
